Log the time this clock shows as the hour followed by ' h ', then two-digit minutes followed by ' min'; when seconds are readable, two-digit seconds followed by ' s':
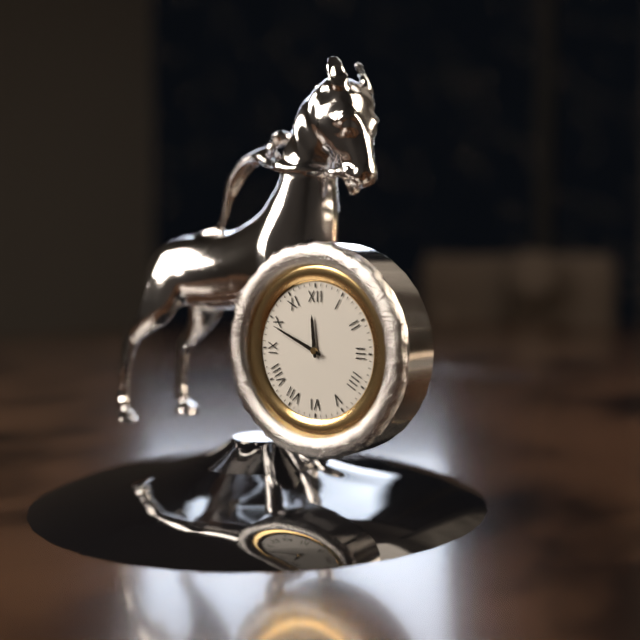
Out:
11 h 49 min
